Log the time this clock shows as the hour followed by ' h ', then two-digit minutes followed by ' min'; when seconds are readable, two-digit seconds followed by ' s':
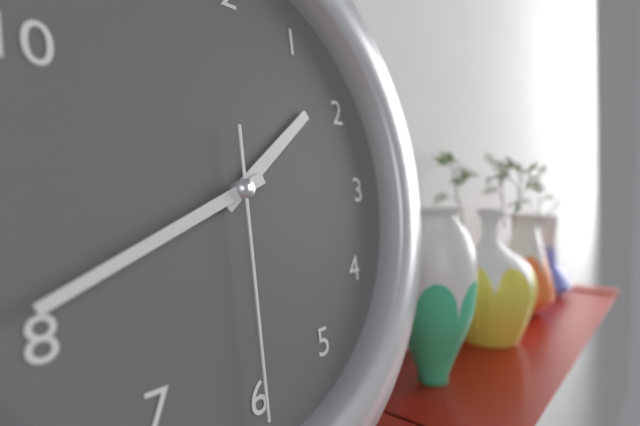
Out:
1 h 41 min 30 s
